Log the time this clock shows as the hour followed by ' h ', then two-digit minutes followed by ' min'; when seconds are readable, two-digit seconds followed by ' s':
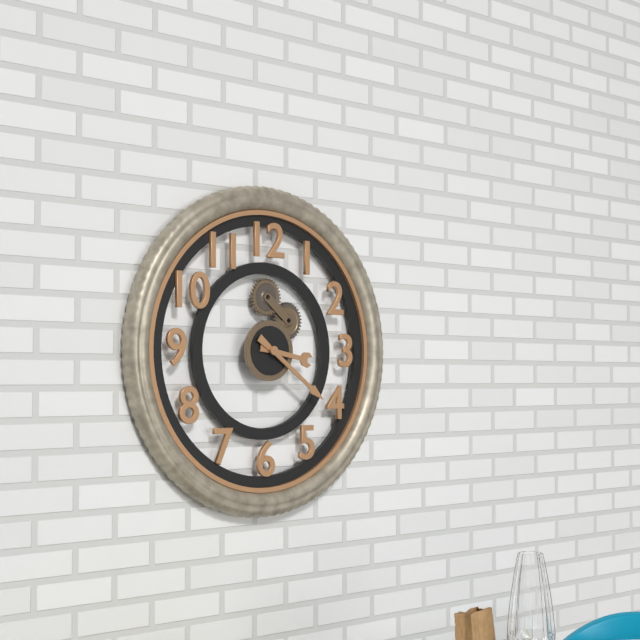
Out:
3 h 21 min
